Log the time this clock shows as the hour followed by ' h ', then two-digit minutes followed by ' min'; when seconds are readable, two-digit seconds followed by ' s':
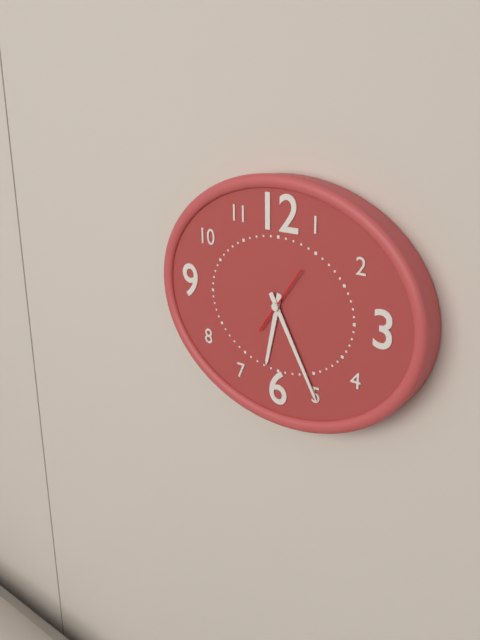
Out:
6 h 25 min 06 s
